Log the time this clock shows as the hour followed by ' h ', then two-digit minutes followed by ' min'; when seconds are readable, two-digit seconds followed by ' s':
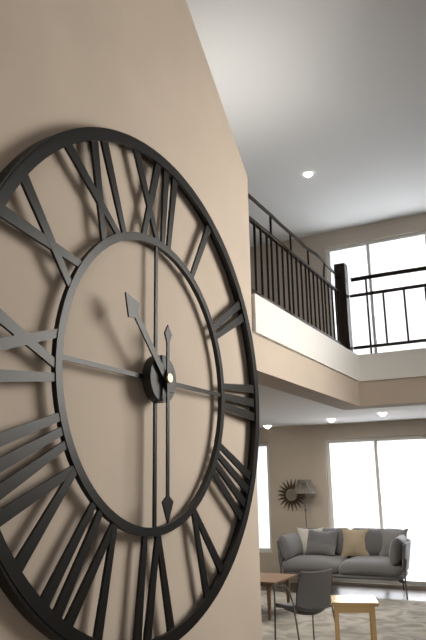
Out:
10 h 30 min
